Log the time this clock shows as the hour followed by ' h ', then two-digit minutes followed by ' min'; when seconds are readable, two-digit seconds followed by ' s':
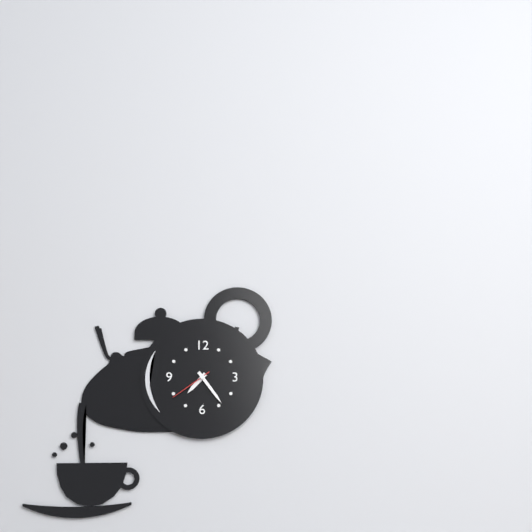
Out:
7 h 24 min
